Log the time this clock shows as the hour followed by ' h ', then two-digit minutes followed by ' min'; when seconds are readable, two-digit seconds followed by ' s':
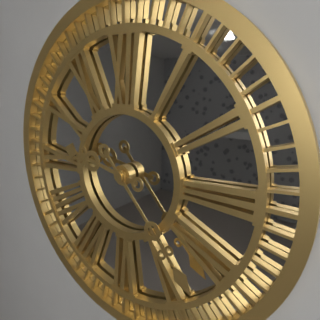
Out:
9 h 23 min
